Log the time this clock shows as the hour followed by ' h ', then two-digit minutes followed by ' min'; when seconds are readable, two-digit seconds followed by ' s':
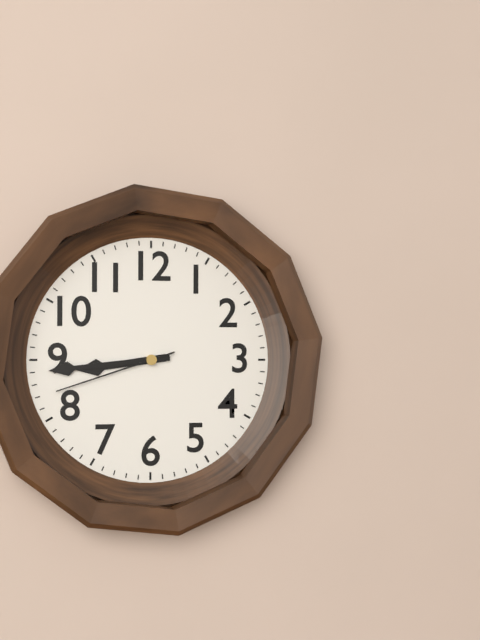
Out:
8 h 44 min 42 s
